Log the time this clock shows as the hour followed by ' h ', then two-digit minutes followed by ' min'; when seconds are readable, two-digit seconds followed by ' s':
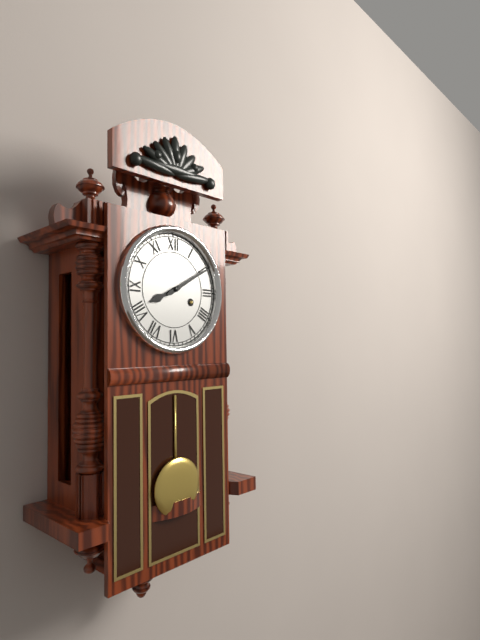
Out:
8 h 10 min
